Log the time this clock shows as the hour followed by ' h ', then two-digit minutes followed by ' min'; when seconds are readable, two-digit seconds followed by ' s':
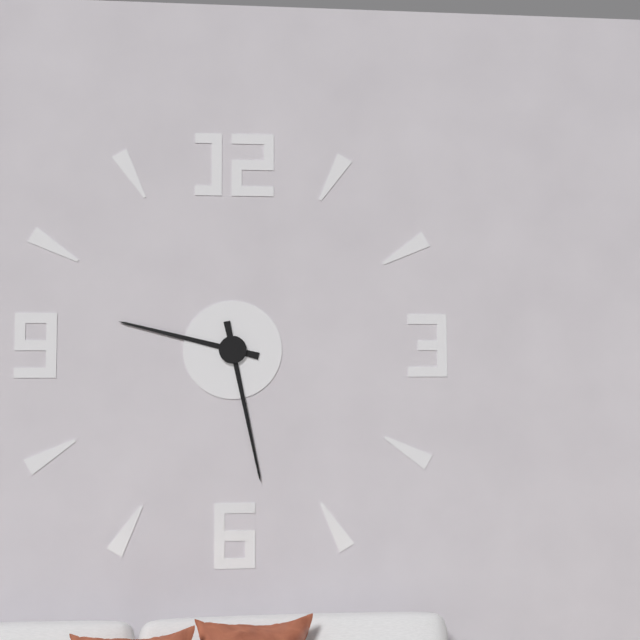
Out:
9 h 28 min
